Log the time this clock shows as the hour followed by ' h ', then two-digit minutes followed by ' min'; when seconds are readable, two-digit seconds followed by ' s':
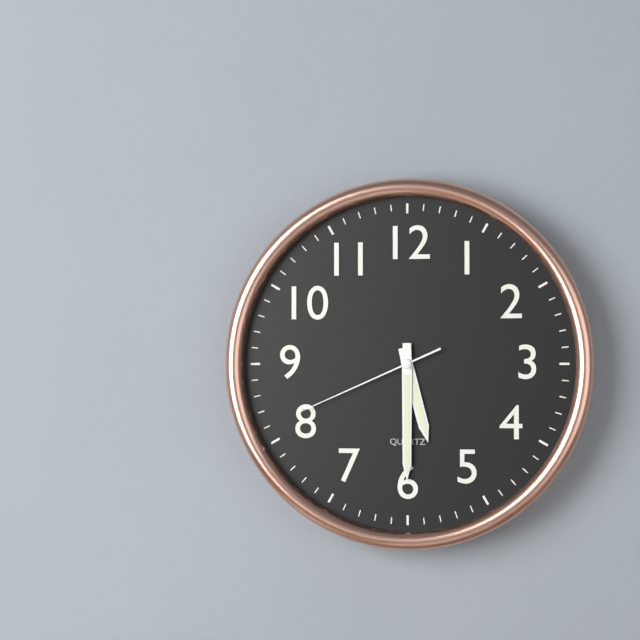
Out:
5 h 30 min 41 s
